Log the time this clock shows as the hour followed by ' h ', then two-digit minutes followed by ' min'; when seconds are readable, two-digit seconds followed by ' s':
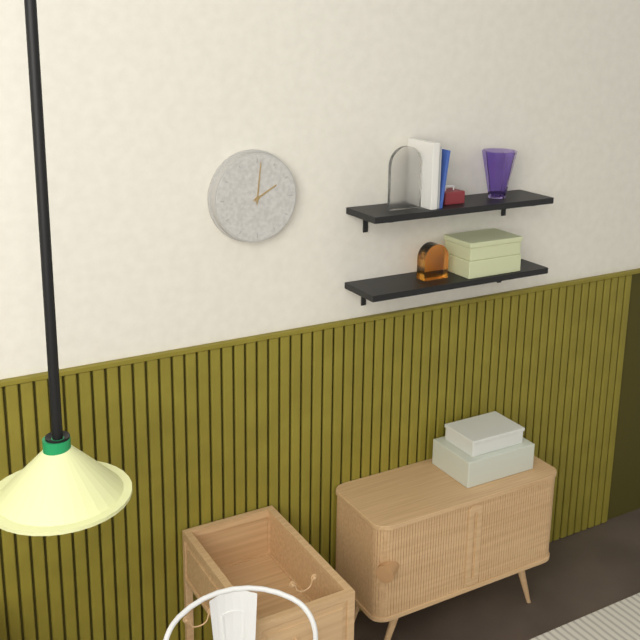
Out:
2 h 01 min
